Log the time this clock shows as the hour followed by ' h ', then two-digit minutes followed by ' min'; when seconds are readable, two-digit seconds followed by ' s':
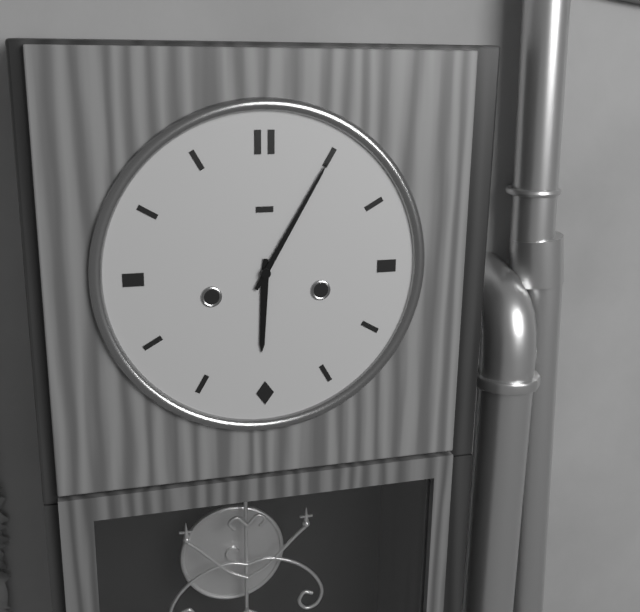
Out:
6 h 05 min
